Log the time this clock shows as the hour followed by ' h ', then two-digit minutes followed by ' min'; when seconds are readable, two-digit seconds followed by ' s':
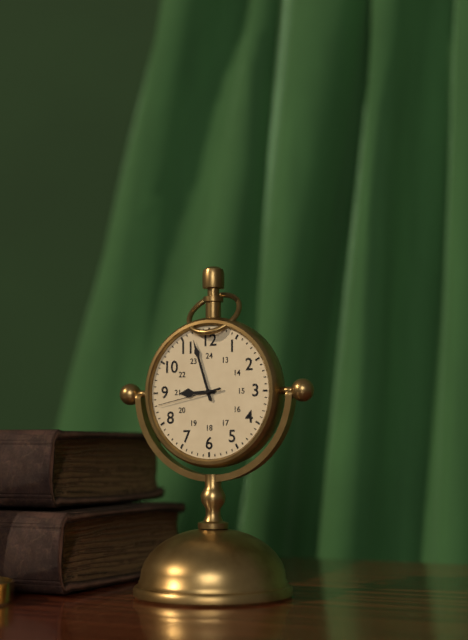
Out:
8 h 57 min 43 s
